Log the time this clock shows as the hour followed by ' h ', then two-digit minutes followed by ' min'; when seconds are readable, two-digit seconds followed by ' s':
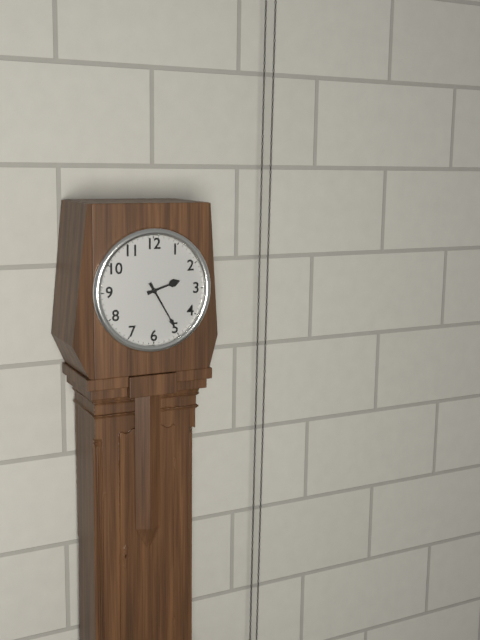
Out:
2 h 25 min
